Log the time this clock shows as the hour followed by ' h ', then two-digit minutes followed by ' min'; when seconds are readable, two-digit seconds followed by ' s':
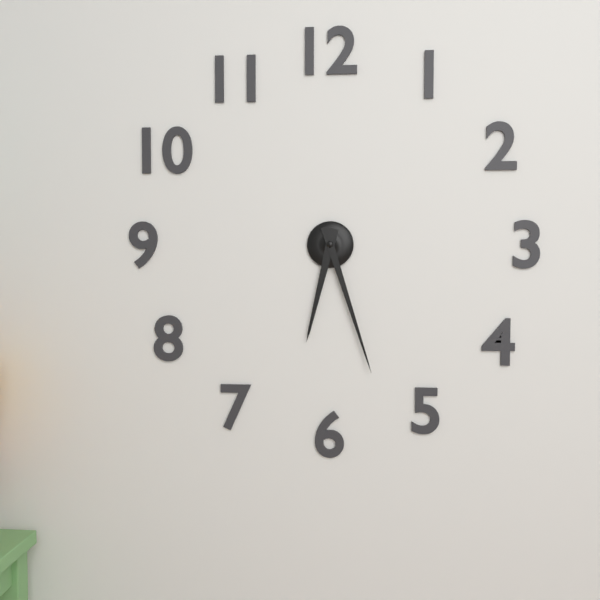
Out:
6 h 27 min
